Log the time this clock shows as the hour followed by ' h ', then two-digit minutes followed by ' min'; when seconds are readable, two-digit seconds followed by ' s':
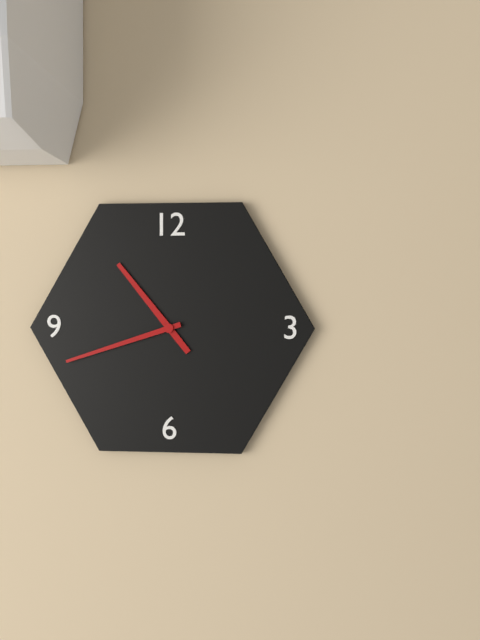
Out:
10 h 42 min
